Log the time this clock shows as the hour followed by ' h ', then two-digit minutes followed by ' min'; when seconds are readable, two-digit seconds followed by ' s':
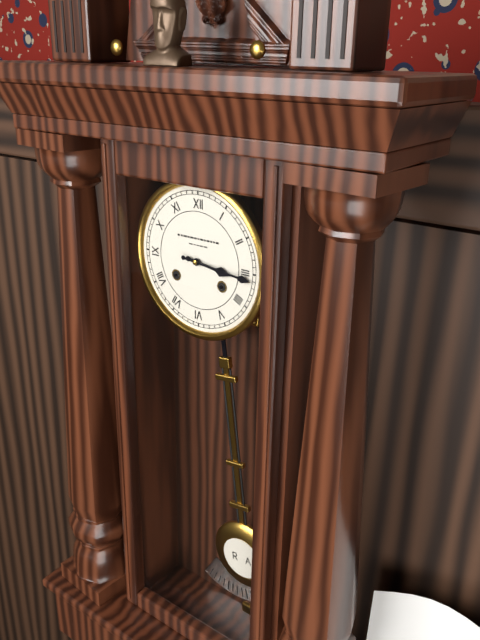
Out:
3 h 16 min
